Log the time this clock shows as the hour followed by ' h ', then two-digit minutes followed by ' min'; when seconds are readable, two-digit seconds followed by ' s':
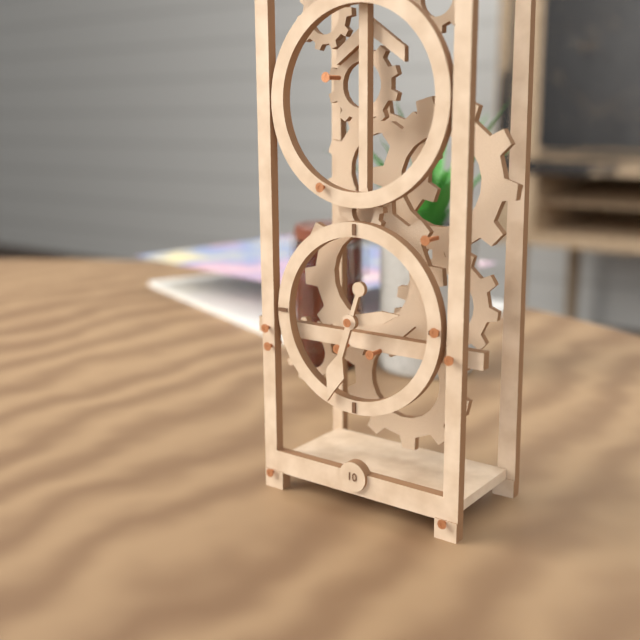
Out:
2 h 33 min
